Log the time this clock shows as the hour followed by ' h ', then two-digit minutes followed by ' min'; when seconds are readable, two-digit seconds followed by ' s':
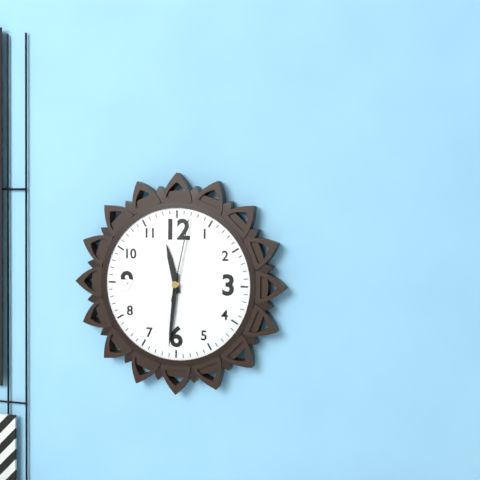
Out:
11 h 31 min 02 s
